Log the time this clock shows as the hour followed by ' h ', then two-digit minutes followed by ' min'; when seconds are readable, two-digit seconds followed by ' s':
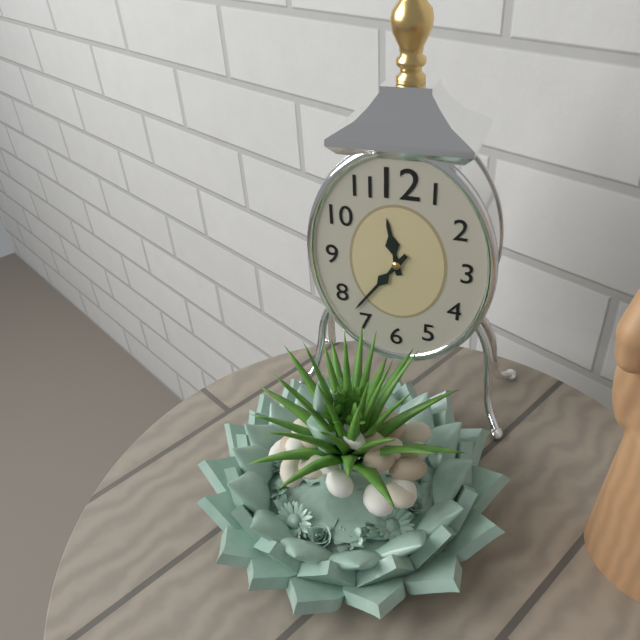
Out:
11 h 36 min
